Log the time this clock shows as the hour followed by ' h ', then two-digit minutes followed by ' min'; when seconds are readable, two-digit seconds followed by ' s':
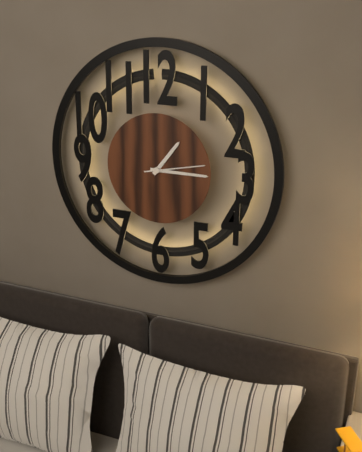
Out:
1 h 15 min 13 s
